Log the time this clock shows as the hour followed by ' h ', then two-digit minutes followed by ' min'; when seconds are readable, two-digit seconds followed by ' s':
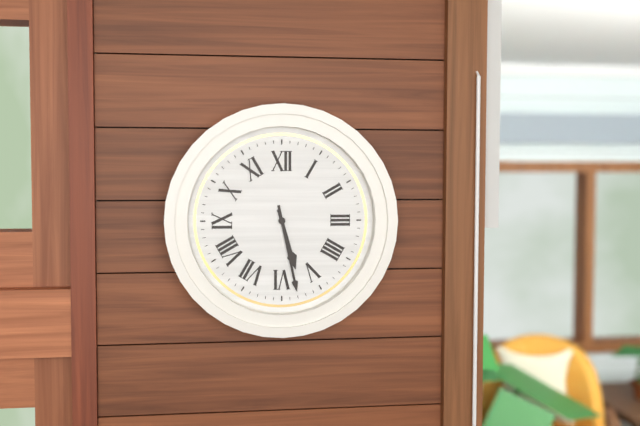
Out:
5 h 28 min
